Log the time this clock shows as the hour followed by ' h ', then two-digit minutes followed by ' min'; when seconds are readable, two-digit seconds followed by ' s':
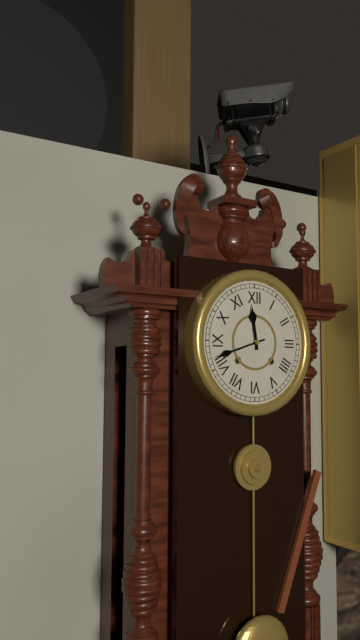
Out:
11 h 42 min
